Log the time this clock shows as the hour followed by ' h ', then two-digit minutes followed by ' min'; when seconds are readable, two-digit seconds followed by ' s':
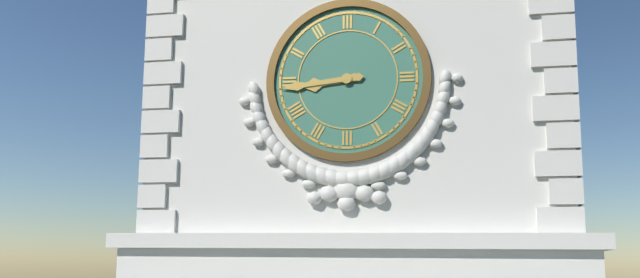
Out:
8 h 44 min
